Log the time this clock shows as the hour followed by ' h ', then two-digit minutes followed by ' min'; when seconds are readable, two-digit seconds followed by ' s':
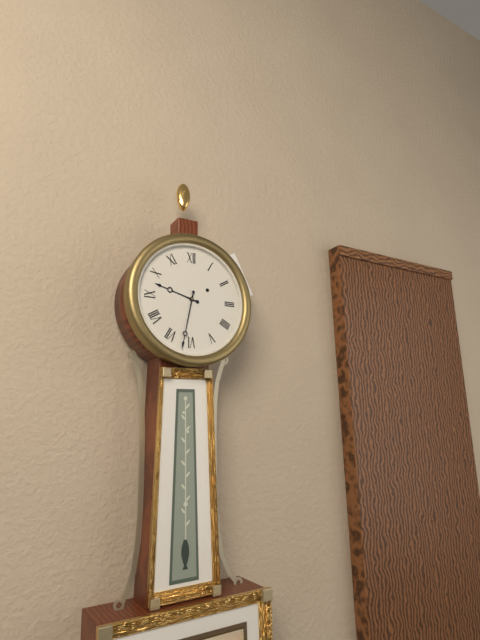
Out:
9 h 32 min
